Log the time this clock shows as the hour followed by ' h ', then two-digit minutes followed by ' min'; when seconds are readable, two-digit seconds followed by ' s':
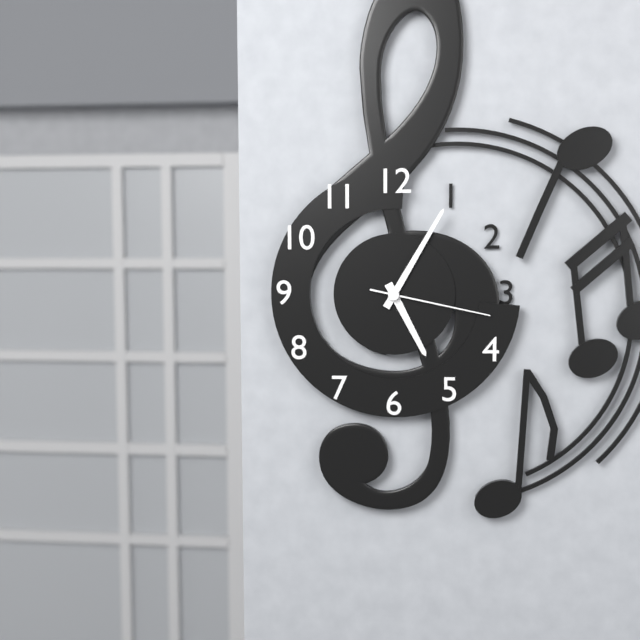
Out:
5 h 05 min 17 s
